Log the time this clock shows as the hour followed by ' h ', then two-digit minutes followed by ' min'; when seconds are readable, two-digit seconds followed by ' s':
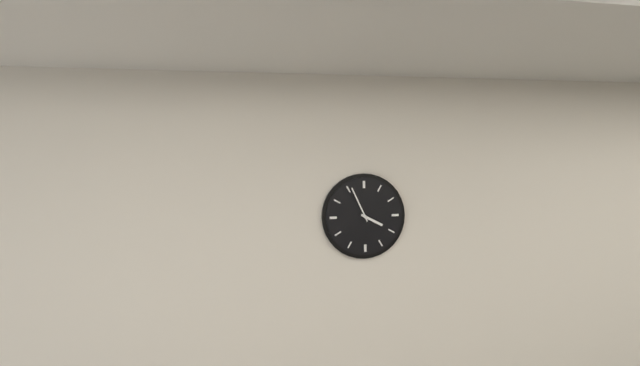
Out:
3 h 56 min
